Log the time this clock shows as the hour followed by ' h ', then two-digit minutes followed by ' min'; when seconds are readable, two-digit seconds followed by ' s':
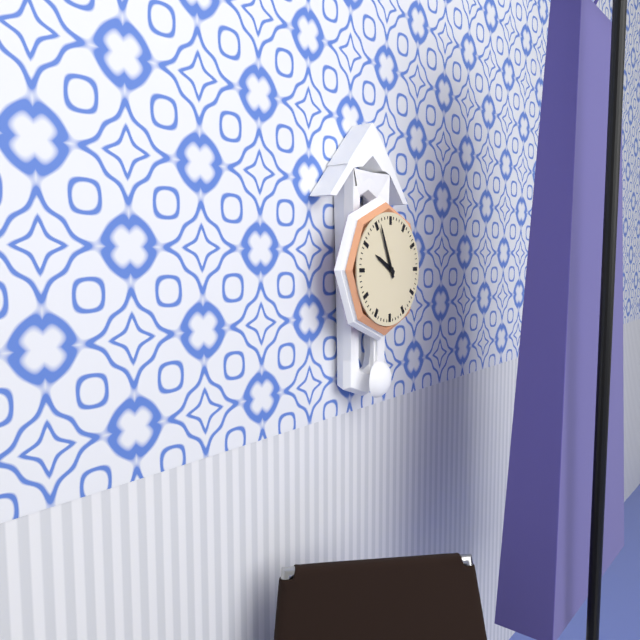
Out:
9 h 56 min
